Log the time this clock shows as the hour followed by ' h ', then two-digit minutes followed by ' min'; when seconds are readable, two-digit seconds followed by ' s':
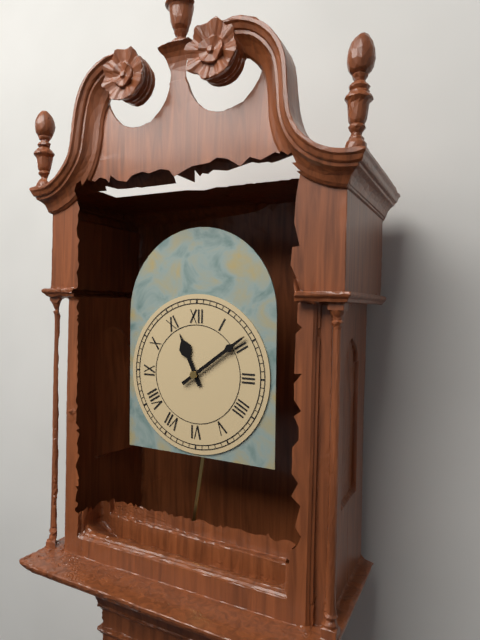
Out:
11 h 09 min
